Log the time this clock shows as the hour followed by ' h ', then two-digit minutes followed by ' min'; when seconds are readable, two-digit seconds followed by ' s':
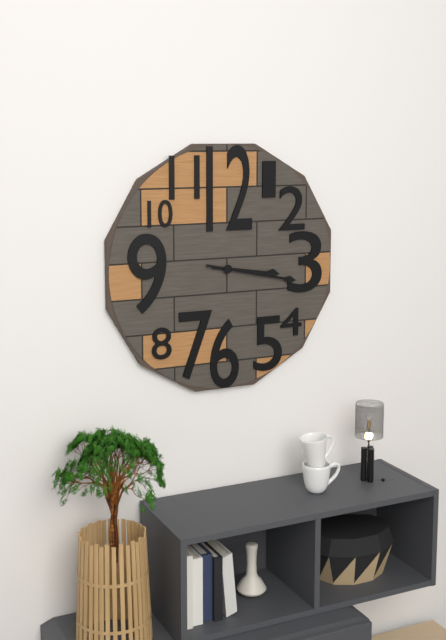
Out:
3 h 17 min
